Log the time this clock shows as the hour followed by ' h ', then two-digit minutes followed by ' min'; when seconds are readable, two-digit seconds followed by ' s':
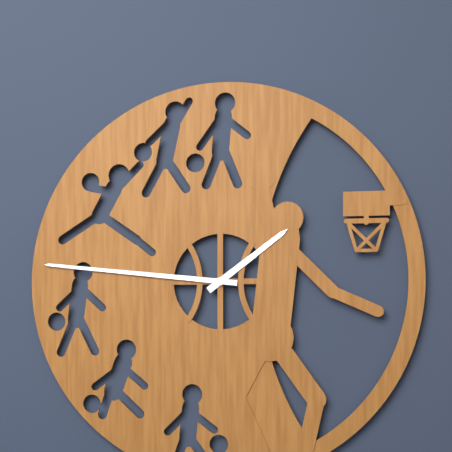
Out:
1 h 46 min
